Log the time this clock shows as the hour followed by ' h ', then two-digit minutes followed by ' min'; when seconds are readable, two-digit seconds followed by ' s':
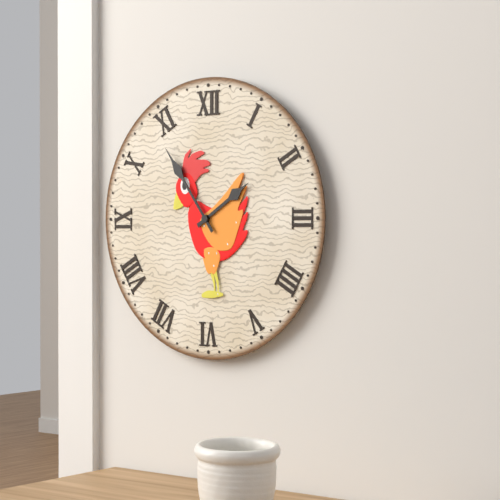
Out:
1 h 54 min
